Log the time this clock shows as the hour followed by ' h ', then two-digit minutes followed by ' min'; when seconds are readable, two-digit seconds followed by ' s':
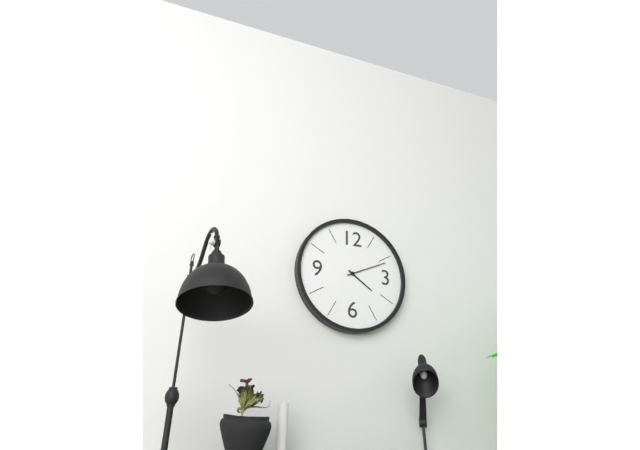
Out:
4 h 11 min
